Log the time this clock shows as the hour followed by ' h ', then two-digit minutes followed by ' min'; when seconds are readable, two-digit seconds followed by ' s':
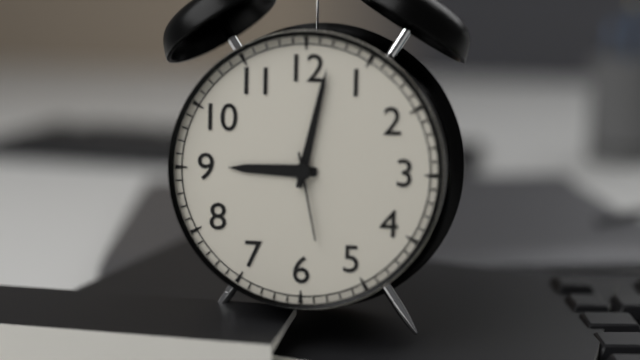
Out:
9 h 02 min 28 s
